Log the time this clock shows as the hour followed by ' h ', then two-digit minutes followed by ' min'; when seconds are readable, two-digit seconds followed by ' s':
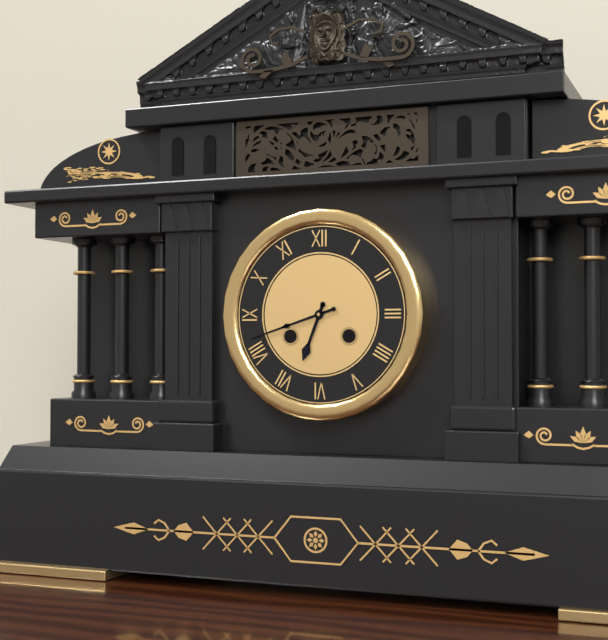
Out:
6 h 42 min
